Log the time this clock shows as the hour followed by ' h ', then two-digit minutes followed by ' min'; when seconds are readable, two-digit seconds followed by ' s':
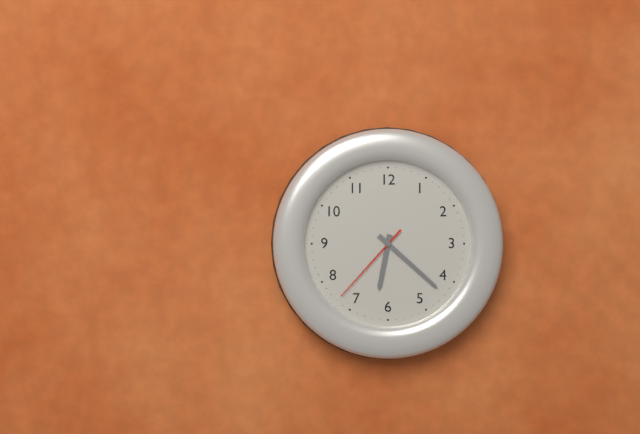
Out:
6 h 22 min 37 s
